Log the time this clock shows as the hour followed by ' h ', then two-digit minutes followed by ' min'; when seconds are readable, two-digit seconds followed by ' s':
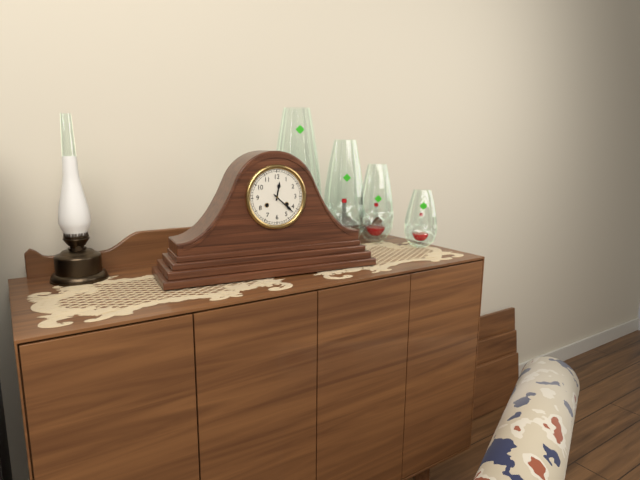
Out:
12 h 22 min
